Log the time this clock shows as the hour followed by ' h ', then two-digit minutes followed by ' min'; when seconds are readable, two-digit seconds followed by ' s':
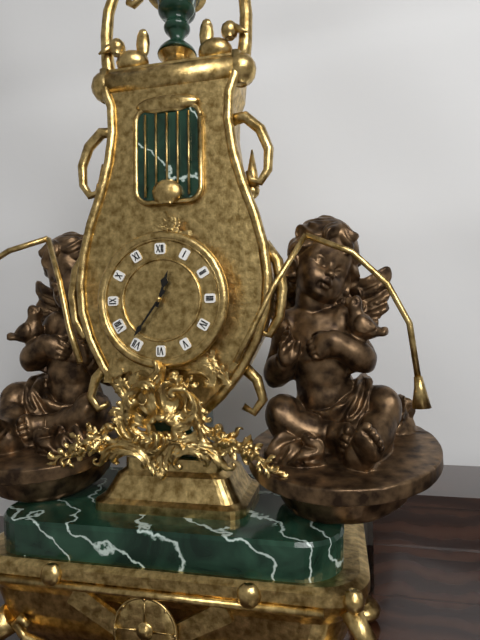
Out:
12 h 36 min
